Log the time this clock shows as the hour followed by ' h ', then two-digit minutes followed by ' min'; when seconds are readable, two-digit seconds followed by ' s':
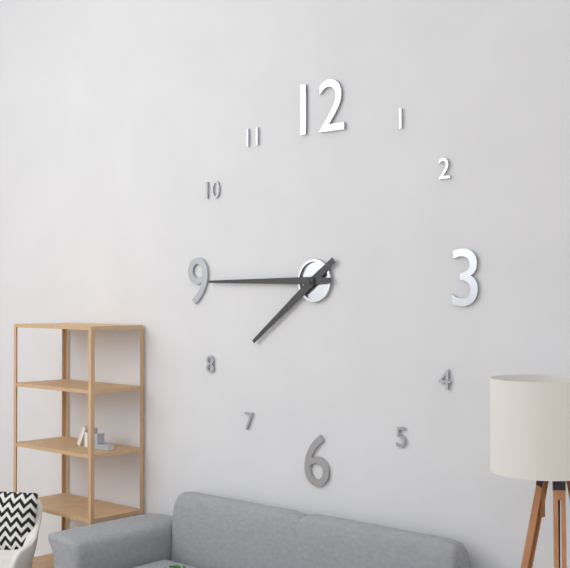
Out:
7 h 45 min
